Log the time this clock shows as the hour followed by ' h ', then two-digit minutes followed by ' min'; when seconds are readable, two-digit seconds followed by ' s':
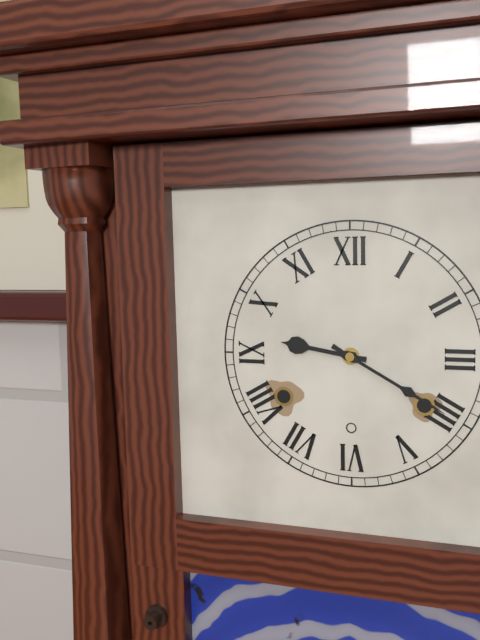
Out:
9 h 20 min
